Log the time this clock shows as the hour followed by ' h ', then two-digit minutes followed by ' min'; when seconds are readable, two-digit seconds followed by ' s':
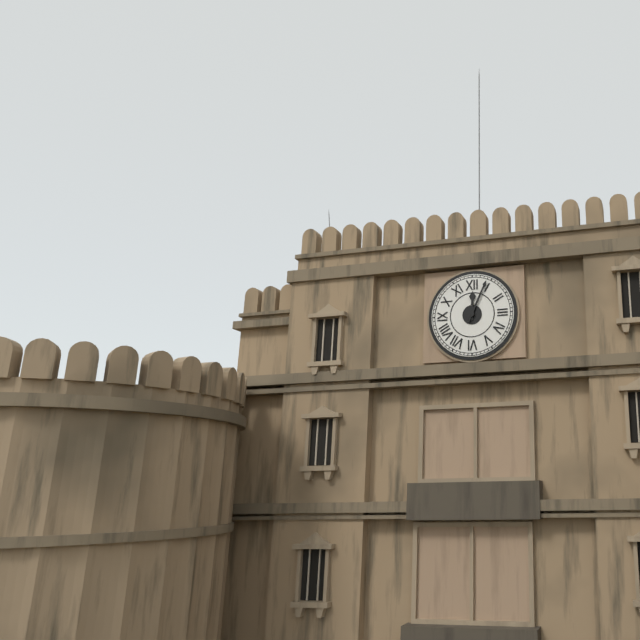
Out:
12 h 04 min
